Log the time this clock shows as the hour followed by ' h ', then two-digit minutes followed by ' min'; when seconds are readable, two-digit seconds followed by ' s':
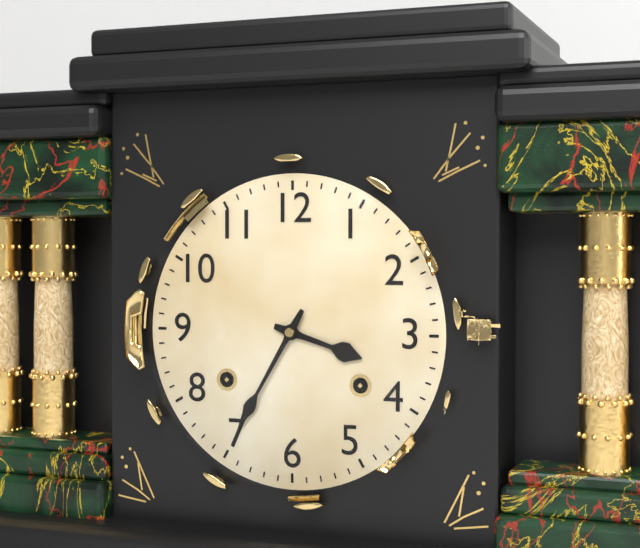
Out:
3 h 35 min
